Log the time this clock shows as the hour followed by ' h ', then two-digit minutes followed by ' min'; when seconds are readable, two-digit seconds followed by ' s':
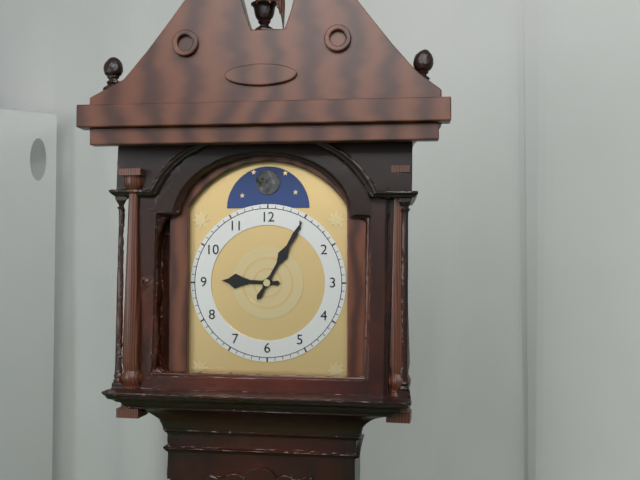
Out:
9 h 05 min
